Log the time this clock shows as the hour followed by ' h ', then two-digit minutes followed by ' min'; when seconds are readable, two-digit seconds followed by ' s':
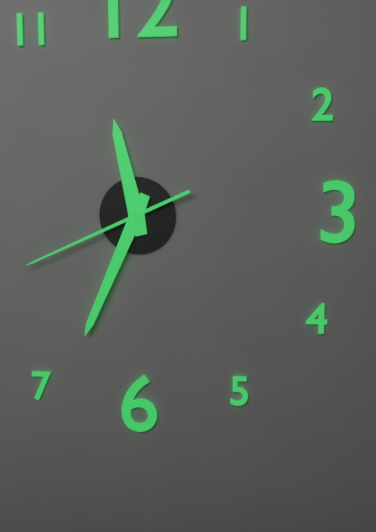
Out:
11 h 34 min 41 s
